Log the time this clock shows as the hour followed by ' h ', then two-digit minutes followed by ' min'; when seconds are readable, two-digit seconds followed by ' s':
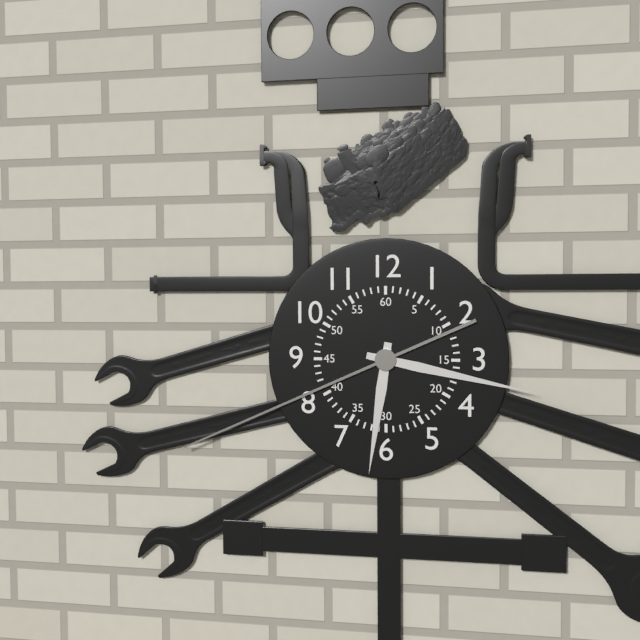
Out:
6 h 17 min 41 s
